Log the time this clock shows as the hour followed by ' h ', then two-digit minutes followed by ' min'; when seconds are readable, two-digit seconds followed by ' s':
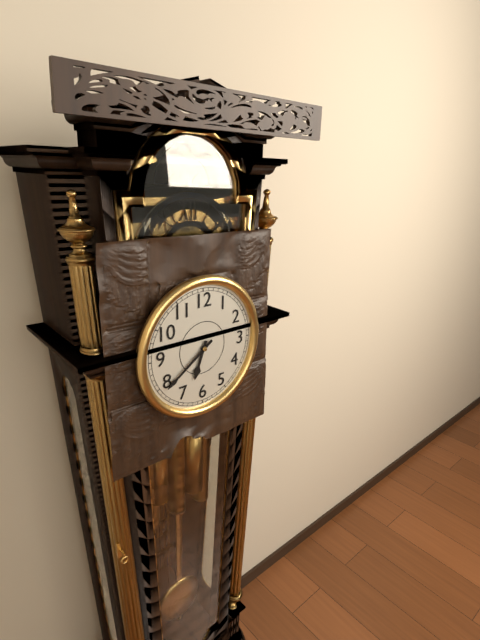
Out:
6 h 39 min
